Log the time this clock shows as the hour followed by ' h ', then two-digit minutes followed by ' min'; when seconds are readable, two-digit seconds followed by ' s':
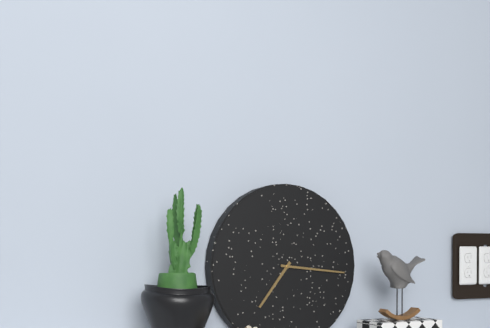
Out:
7 h 16 min
